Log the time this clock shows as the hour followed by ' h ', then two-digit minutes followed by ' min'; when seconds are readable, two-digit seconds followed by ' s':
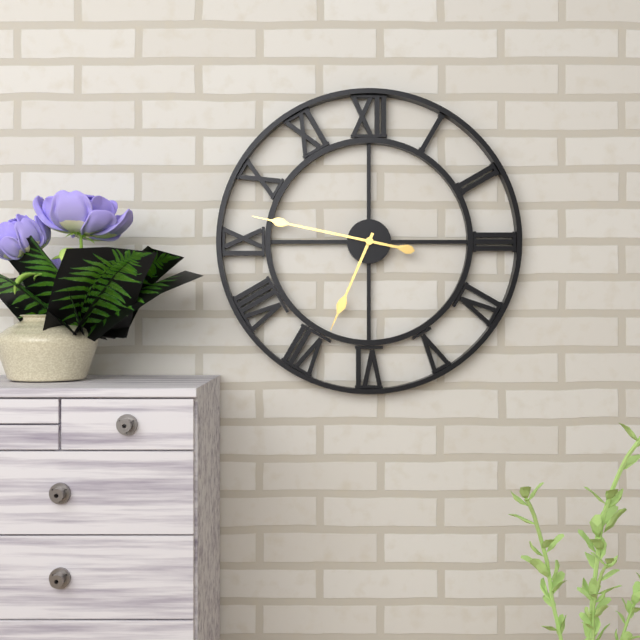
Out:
6 h 47 min
